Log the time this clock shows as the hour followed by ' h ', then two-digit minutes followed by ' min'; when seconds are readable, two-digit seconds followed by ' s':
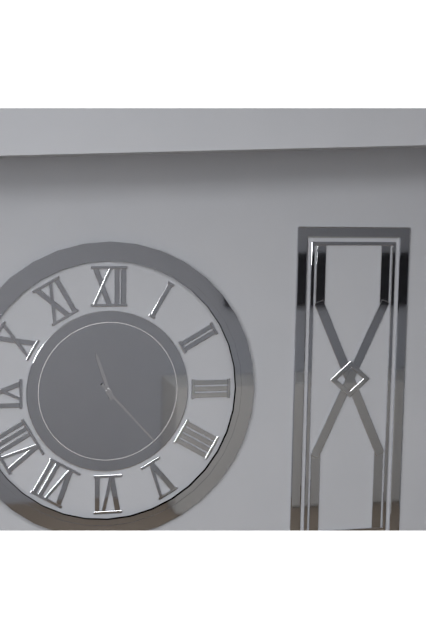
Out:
11 h 23 min
